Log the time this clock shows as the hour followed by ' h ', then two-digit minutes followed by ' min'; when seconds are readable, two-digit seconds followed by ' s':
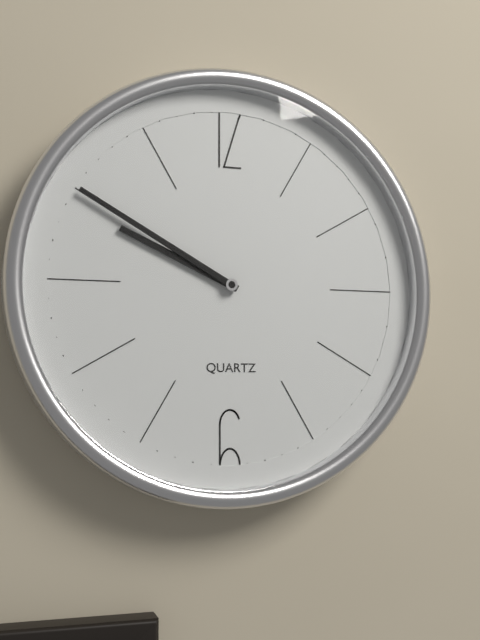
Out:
9 h 50 min
